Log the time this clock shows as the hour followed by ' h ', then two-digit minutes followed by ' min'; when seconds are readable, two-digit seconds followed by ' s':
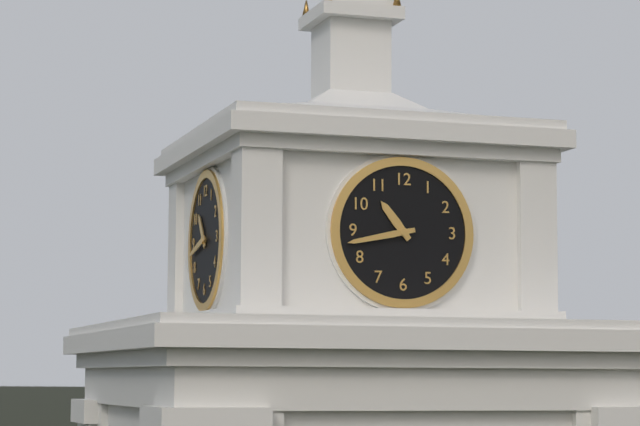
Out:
10 h 43 min
